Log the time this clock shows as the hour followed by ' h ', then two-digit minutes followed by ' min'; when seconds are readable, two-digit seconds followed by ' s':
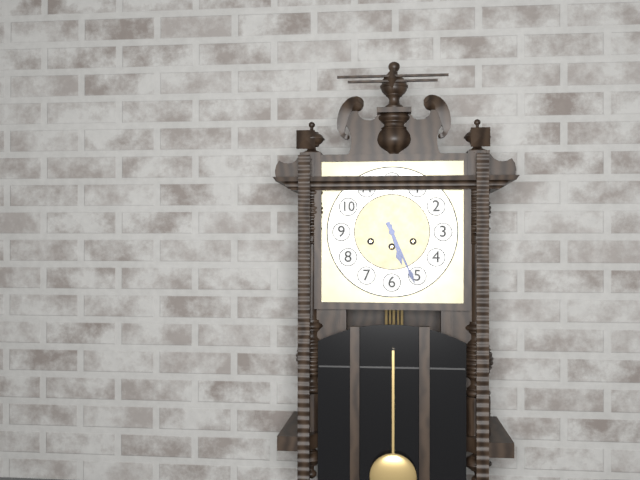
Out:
5 h 26 min
